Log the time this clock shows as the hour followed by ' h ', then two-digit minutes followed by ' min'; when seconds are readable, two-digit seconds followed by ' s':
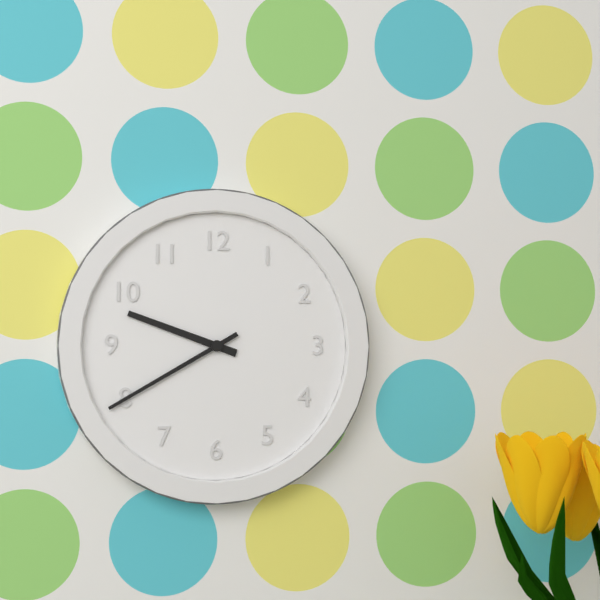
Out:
9 h 40 min
